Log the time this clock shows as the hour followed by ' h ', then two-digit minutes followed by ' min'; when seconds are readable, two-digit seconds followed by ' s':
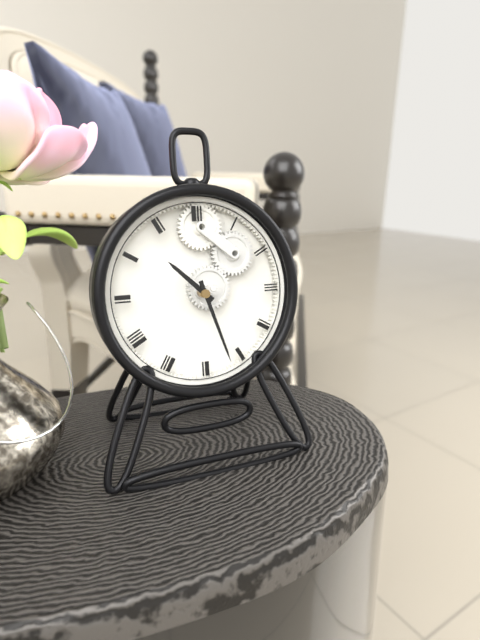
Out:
10 h 27 min
